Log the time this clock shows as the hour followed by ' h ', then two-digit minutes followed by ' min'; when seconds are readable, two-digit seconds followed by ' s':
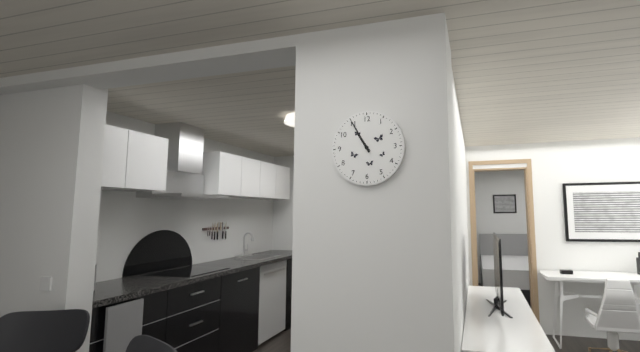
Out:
10 h 55 min
